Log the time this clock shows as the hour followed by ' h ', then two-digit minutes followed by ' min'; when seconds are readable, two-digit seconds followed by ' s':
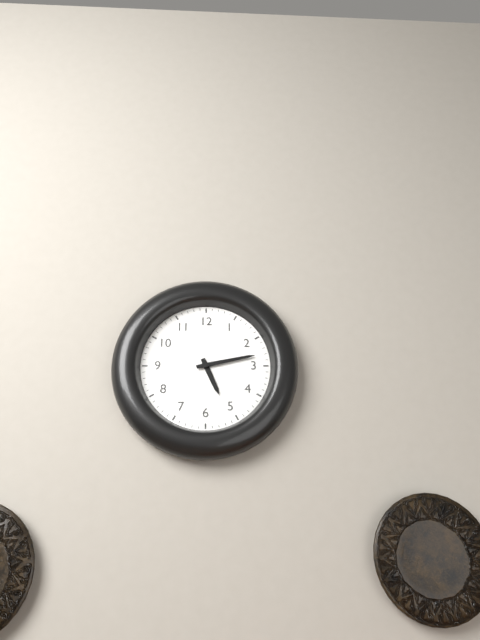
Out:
5 h 13 min
